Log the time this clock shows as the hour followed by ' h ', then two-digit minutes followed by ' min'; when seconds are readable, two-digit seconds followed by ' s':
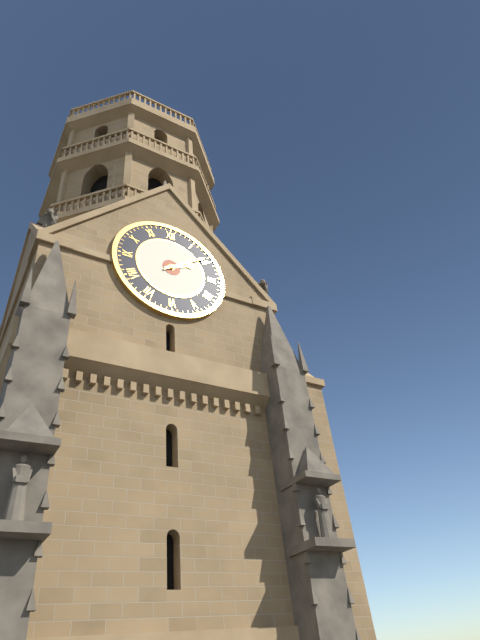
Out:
2 h 09 min
